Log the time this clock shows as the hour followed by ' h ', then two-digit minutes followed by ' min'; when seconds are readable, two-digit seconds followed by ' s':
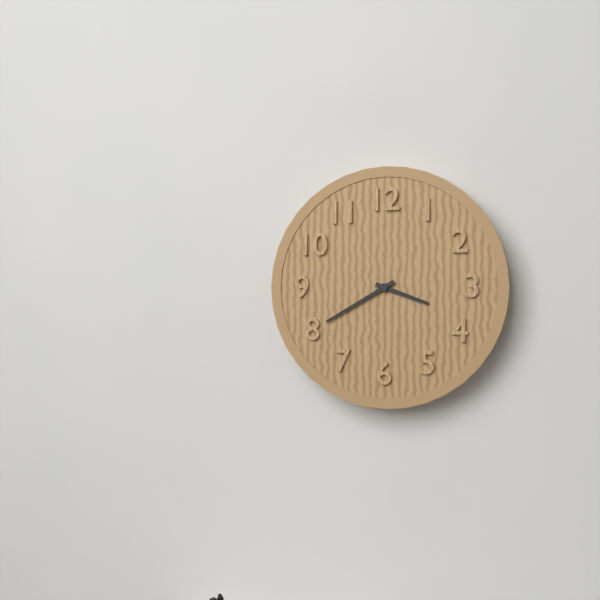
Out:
3 h 40 min
